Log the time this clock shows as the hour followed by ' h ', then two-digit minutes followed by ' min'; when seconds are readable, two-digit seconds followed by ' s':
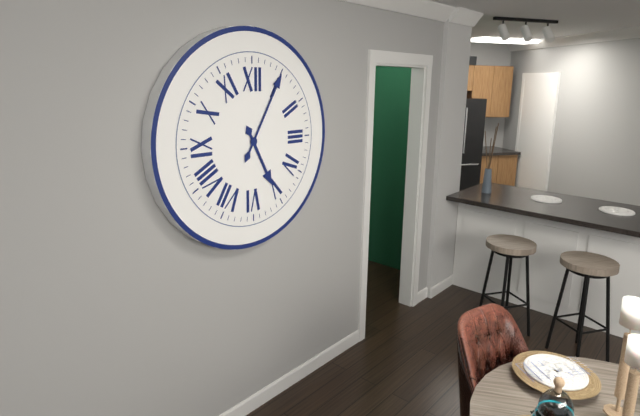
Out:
5 h 05 min
